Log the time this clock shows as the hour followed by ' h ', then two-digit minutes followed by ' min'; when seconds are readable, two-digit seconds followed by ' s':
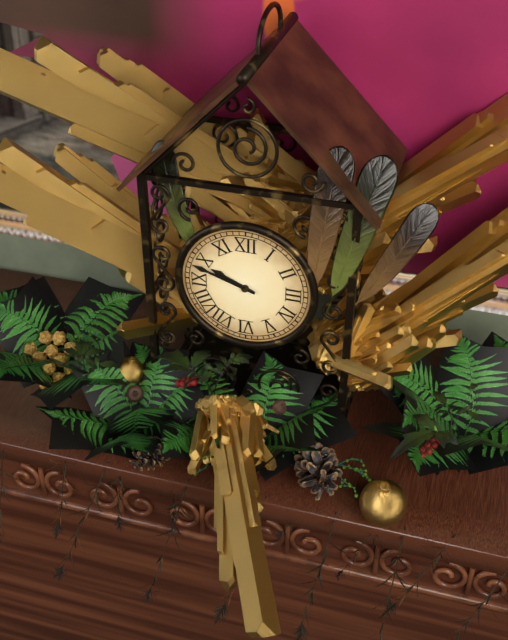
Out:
9 h 48 min
